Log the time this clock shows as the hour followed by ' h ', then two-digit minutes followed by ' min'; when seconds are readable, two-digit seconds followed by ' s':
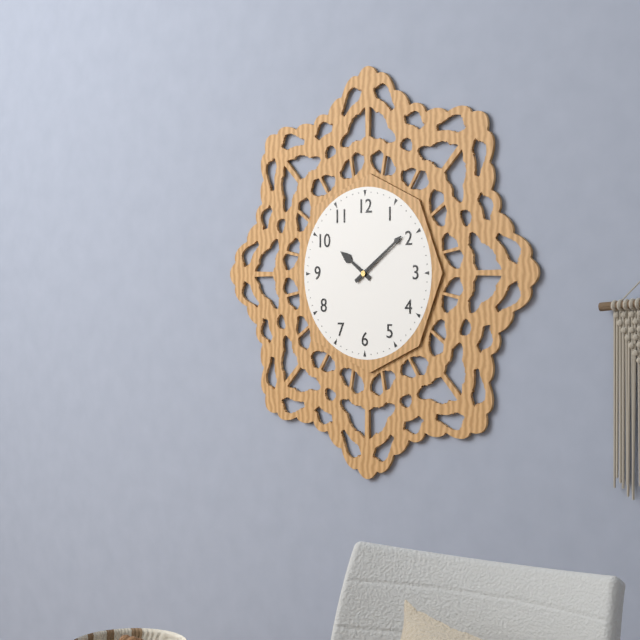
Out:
10 h 09 min
